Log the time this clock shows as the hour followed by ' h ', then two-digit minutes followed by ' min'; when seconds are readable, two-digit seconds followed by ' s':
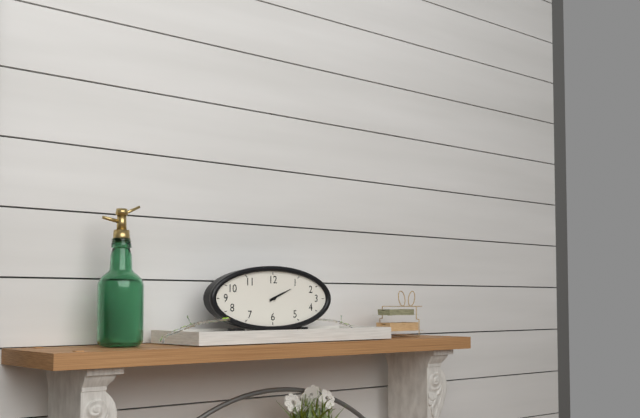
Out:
2 h 11 min
